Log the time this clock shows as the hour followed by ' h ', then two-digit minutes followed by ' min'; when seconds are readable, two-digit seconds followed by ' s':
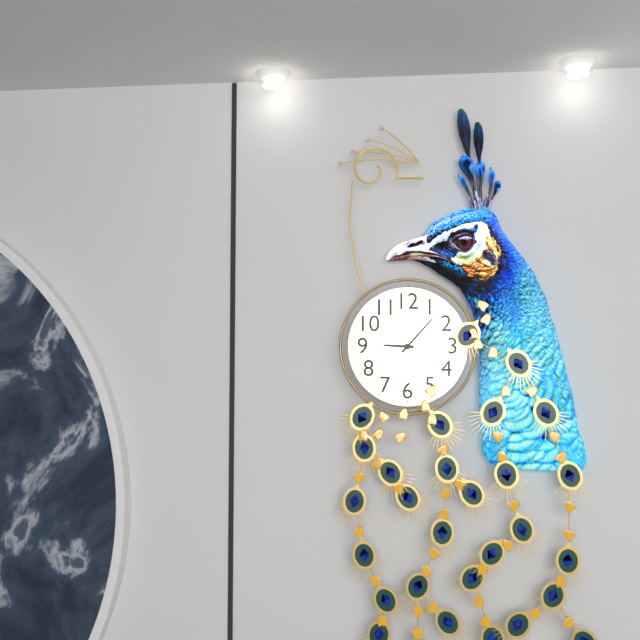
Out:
9 h 07 min
